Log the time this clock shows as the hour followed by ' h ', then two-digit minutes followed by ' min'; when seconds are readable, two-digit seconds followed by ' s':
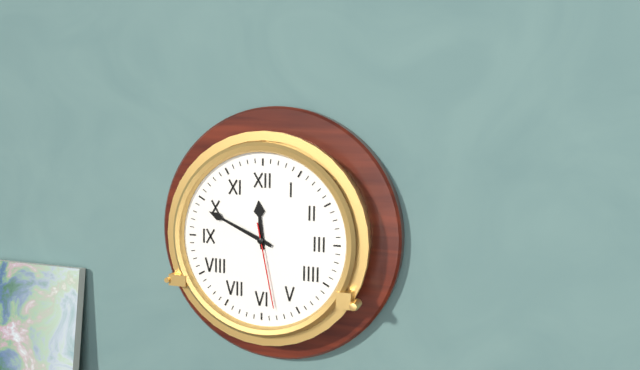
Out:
11 h 49 min 28 s
